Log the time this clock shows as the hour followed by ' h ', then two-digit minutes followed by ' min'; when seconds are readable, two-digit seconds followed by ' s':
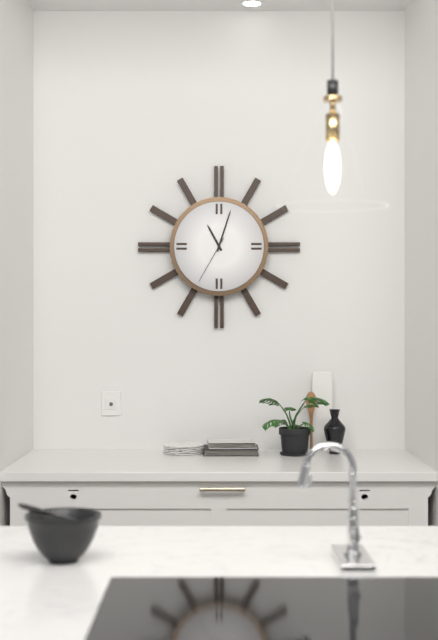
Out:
11 h 03 min 35 s
